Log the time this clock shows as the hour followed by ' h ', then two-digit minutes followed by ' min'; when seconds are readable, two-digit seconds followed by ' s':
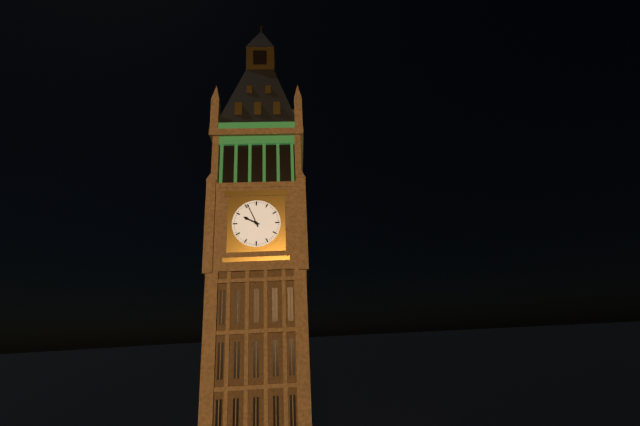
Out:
9 h 56 min
